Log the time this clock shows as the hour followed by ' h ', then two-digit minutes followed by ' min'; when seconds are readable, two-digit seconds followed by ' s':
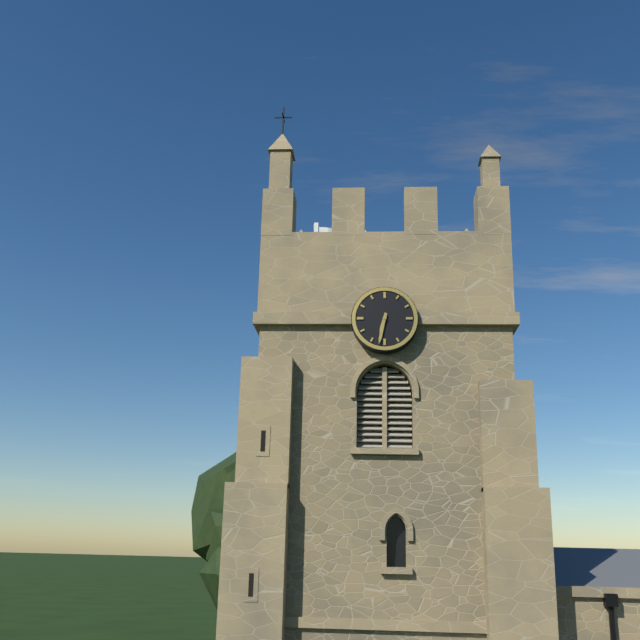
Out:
6 h 32 min
